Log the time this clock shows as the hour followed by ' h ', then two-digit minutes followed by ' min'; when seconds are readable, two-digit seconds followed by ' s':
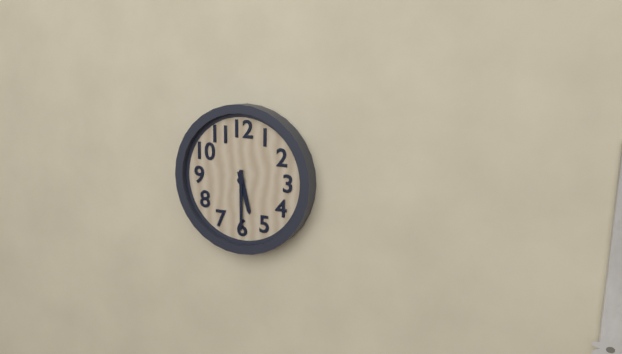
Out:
5 h 30 min
